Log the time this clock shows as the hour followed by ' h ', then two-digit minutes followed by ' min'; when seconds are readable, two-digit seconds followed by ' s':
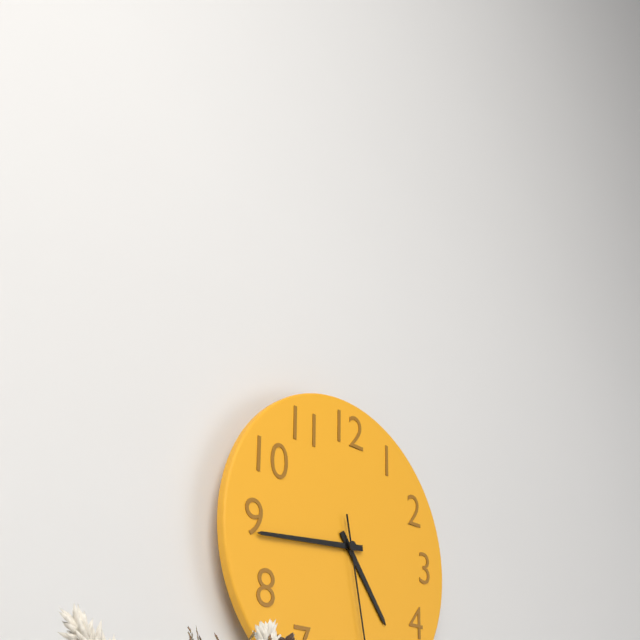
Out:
4 h 44 min
